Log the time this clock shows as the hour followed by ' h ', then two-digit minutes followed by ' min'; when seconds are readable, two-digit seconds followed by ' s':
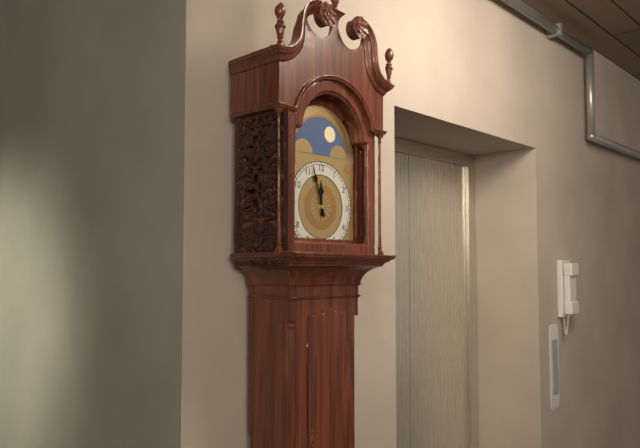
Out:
11 h 57 min
